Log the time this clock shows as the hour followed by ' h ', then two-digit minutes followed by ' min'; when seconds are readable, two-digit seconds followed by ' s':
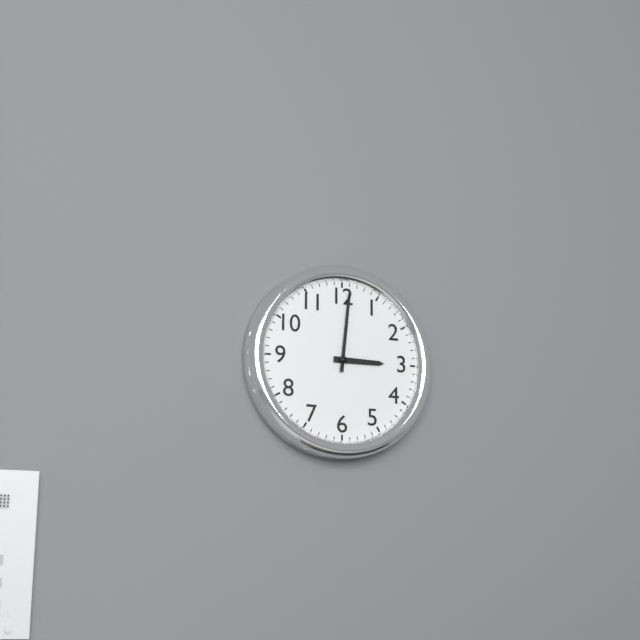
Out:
3 h 01 min
